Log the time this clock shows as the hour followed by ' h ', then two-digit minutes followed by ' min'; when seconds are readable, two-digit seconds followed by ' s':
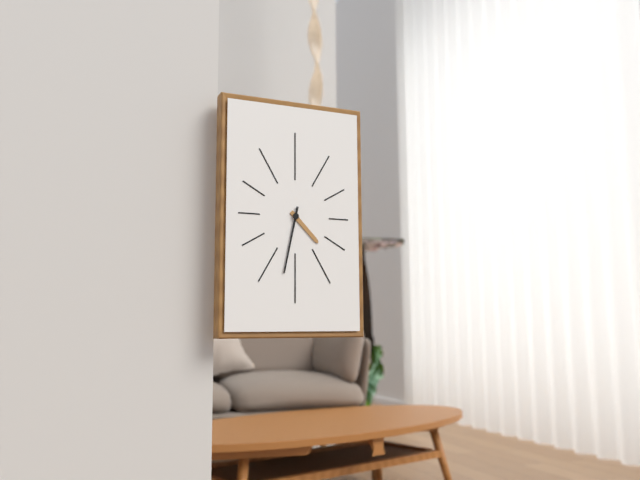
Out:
4 h 32 min
